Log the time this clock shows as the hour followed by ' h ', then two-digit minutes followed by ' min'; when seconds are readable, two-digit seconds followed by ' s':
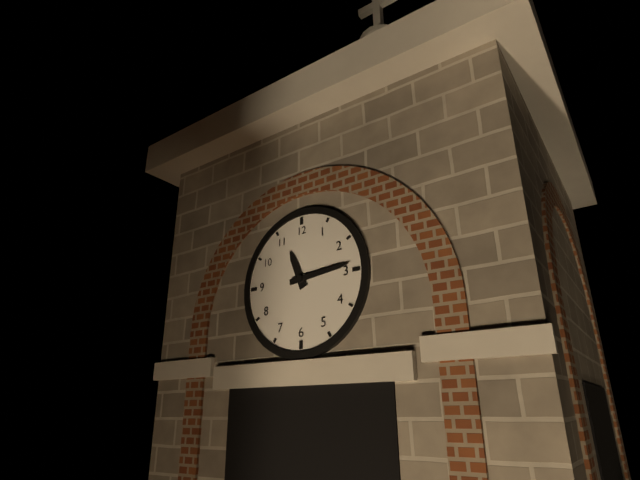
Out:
11 h 14 min
